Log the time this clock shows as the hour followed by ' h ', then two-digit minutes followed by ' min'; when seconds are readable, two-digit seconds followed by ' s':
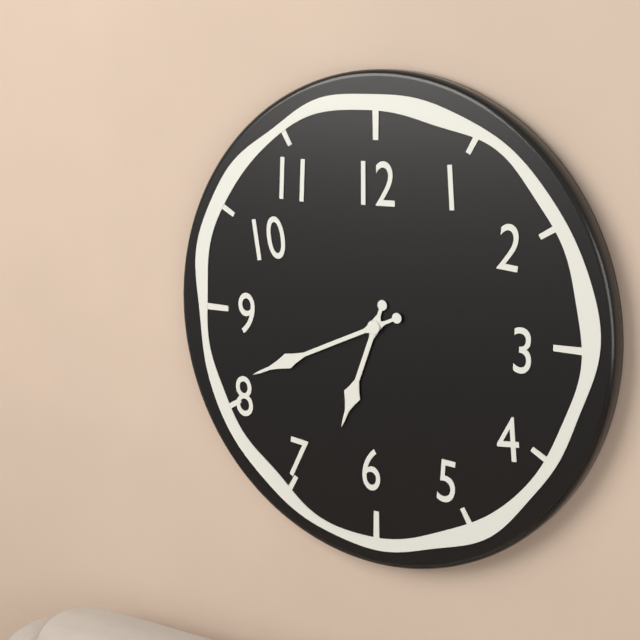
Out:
6 h 41 min
